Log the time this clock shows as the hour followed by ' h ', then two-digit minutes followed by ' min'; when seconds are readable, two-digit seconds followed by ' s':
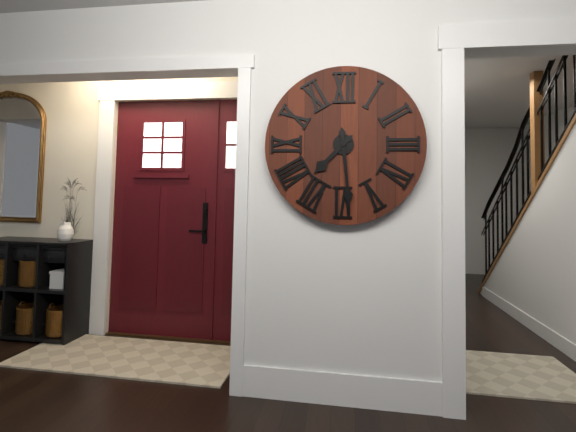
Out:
7 h 29 min
